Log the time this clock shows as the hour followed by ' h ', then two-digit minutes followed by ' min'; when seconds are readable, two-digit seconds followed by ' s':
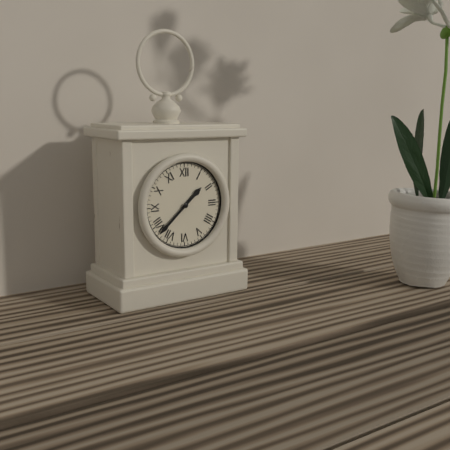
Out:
1 h 38 min
